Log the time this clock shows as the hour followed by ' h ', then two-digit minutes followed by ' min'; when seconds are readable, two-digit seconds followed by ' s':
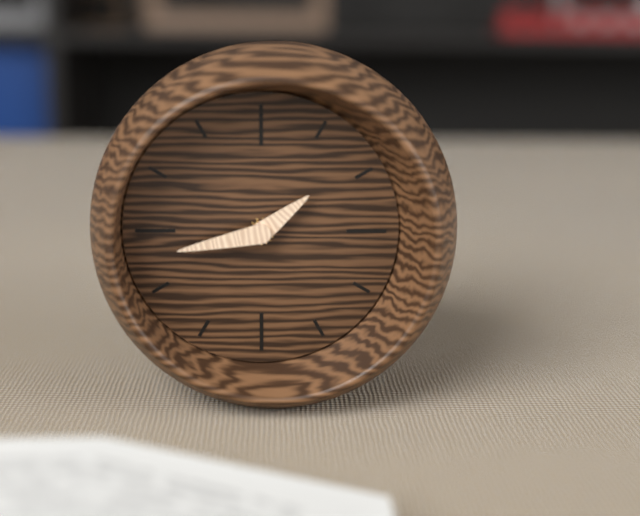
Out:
1 h 43 min
